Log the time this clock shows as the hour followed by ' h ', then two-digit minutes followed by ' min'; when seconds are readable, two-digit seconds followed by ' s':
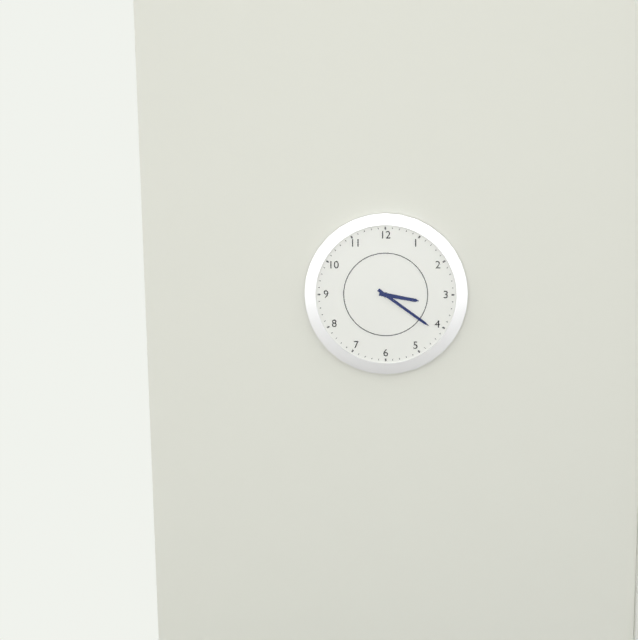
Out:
3 h 21 min
